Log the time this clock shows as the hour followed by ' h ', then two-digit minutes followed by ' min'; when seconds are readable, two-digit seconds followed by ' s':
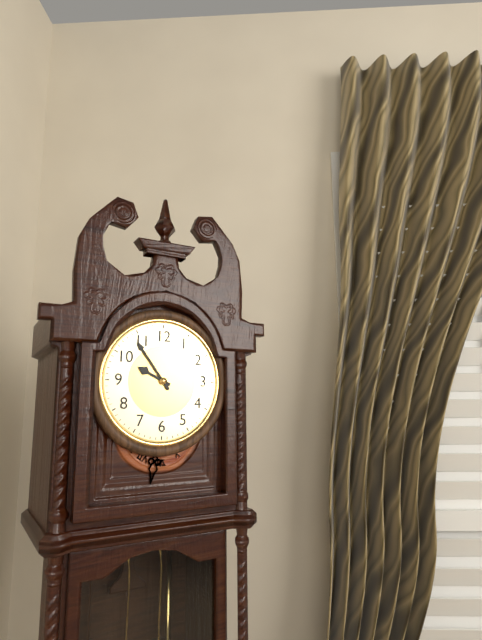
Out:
9 h 54 min
